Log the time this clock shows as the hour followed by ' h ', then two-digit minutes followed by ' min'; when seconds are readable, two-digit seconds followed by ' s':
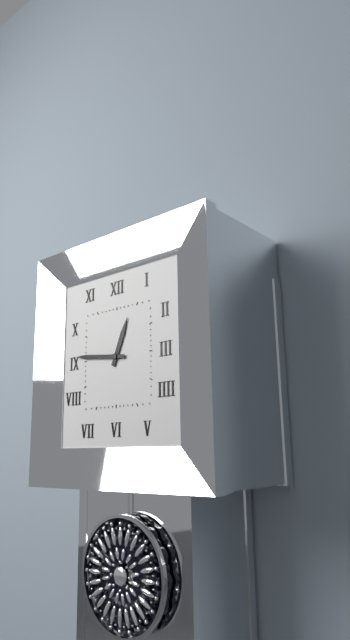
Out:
12 h 46 min
